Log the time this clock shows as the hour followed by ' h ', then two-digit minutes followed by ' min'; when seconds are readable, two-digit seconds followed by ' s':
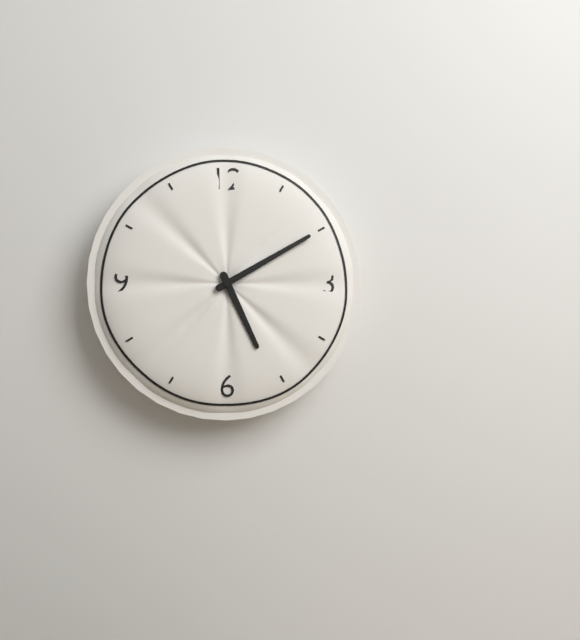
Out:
5 h 10 min
